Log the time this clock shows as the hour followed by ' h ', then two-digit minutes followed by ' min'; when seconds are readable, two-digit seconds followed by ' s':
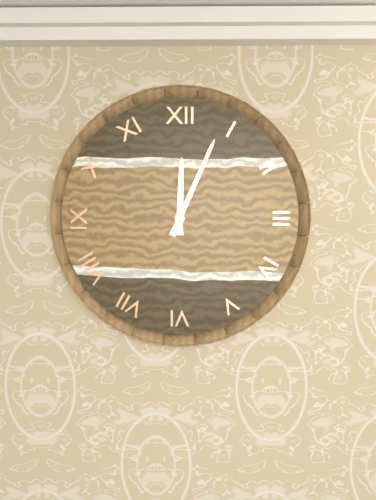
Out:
12 h 04 min
